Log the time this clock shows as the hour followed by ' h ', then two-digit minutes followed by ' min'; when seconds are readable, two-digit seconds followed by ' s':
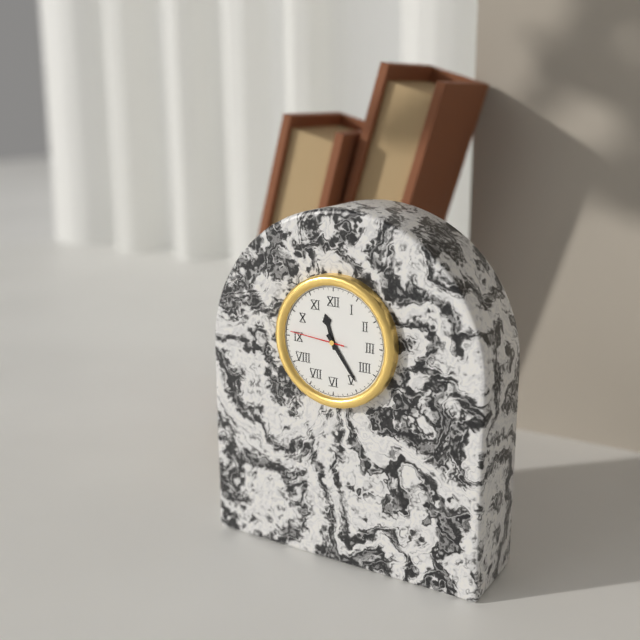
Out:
11 h 24 min 46 s
